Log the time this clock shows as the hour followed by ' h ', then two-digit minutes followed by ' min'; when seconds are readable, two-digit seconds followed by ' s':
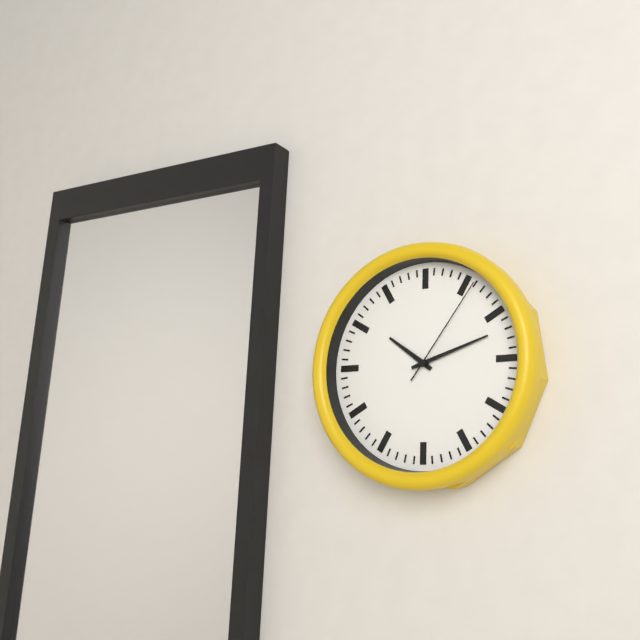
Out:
10 h 12 min 06 s
